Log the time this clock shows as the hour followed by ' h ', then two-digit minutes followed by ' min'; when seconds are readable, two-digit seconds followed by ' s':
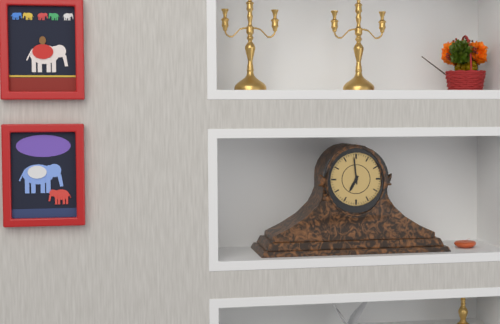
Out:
6 h 59 min
